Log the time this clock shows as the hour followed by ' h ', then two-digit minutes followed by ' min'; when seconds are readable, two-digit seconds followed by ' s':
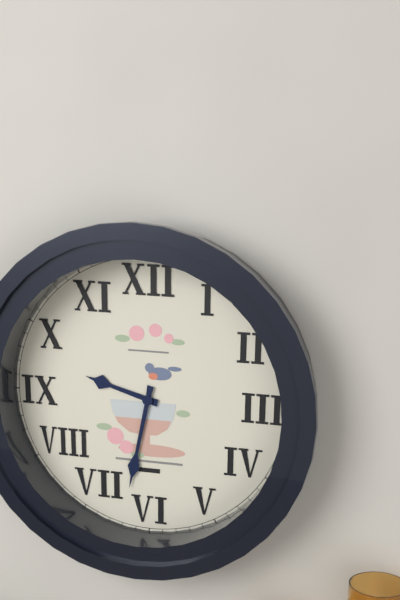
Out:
9 h 32 min
